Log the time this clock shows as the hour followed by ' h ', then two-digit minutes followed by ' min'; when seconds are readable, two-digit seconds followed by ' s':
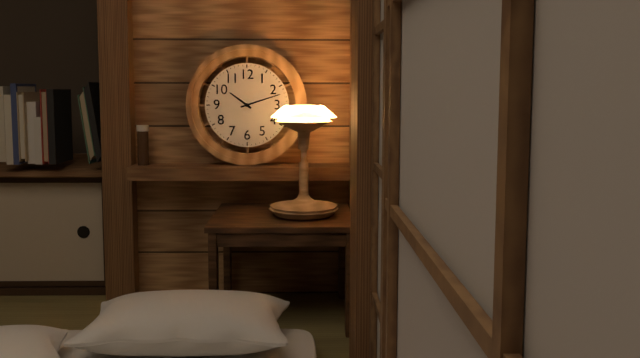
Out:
10 h 12 min
